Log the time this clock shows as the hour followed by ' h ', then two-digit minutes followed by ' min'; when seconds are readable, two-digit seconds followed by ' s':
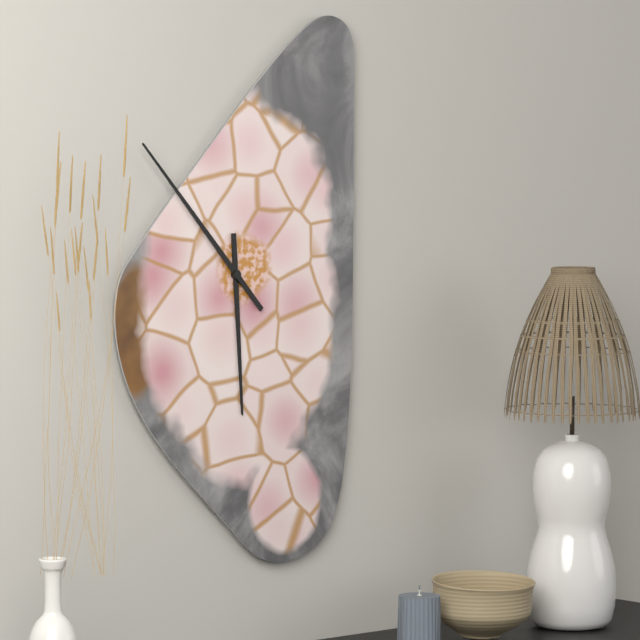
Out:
5 h 53 min
